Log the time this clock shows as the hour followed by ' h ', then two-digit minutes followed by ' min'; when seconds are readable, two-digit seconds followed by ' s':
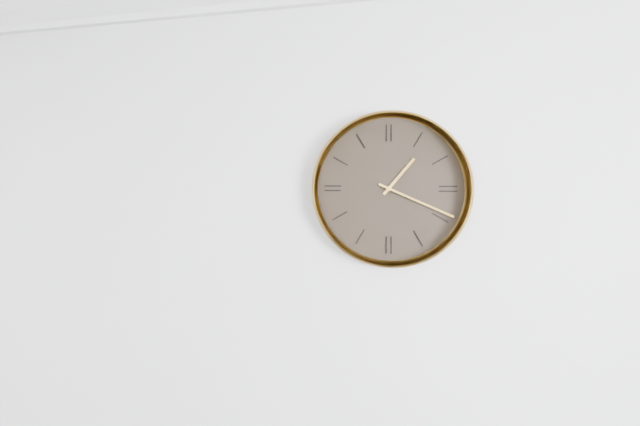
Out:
1 h 19 min
